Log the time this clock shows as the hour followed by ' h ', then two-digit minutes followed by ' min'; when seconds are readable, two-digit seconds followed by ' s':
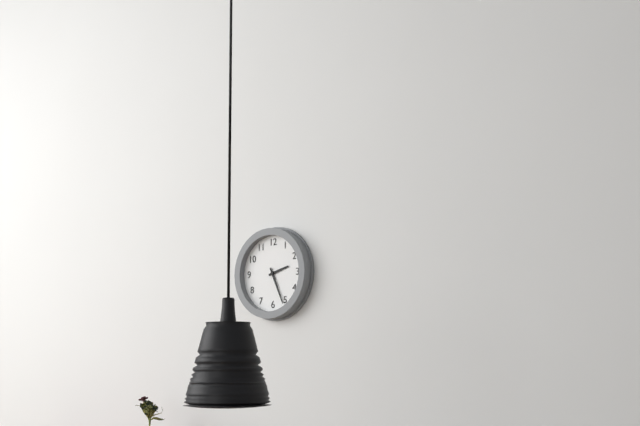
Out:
2 h 26 min
